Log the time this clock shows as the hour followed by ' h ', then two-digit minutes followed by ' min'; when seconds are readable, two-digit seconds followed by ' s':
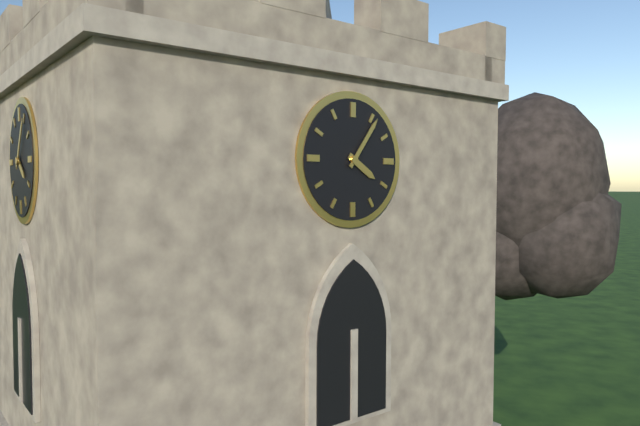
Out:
4 h 06 min
